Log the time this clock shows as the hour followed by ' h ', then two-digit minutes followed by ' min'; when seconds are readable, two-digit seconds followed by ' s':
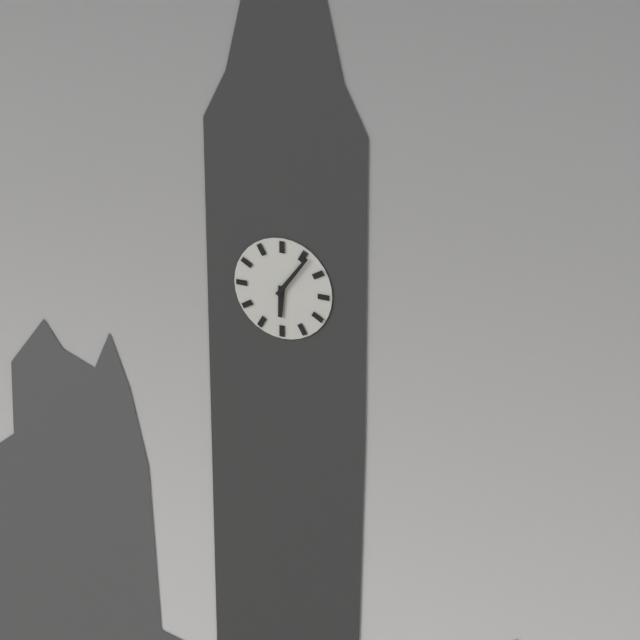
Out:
6 h 06 min
